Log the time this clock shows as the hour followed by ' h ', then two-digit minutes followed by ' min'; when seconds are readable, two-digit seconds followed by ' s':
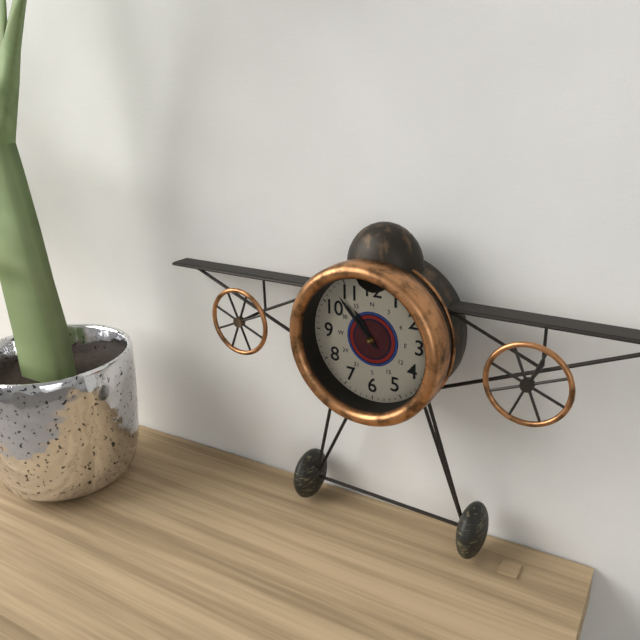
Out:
10 h 53 min
